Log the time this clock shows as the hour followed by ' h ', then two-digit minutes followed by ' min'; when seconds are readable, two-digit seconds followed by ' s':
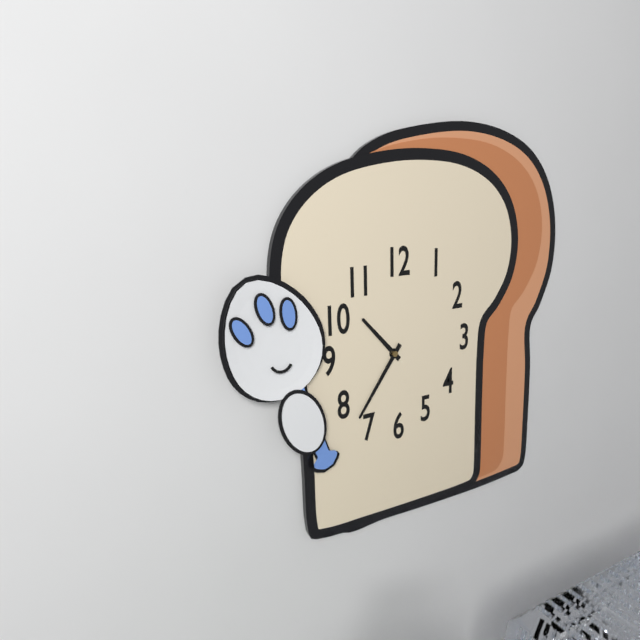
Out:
10 h 36 min
